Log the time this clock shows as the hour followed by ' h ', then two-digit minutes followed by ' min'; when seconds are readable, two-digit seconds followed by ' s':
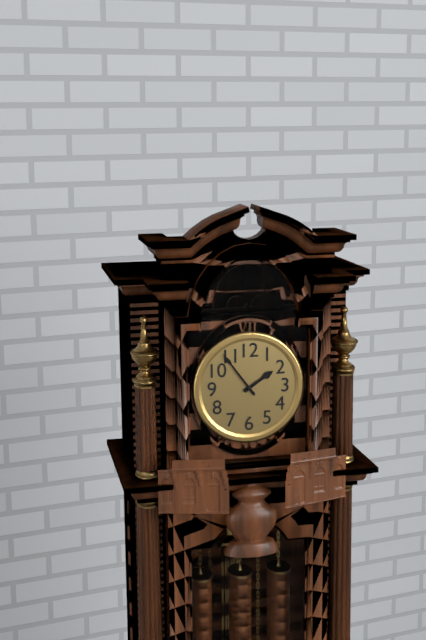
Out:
1 h 54 min
